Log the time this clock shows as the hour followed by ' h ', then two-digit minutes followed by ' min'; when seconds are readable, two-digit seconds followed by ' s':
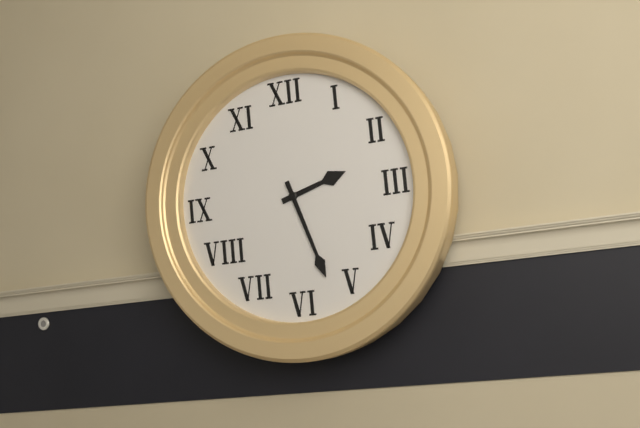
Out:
2 h 27 min
